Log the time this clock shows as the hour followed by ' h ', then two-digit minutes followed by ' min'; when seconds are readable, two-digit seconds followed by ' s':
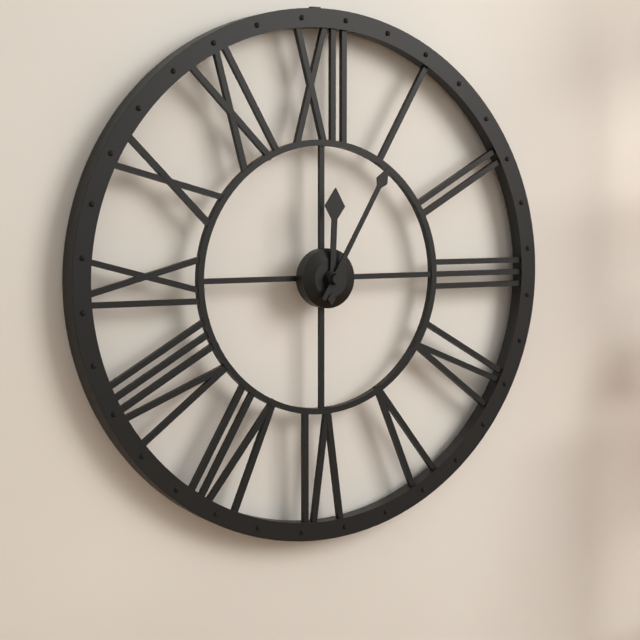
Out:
12 h 05 min
